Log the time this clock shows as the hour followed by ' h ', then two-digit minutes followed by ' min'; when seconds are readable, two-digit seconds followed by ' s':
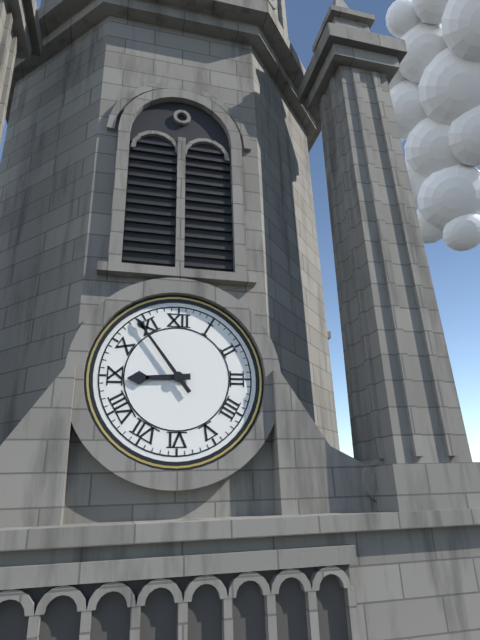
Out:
8 h 54 min
